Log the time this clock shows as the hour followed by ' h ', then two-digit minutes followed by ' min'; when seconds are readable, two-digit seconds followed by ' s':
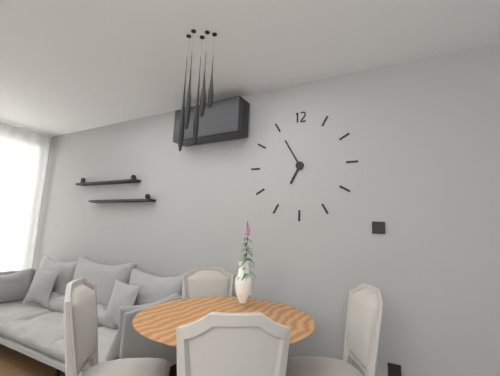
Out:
6 h 55 min
